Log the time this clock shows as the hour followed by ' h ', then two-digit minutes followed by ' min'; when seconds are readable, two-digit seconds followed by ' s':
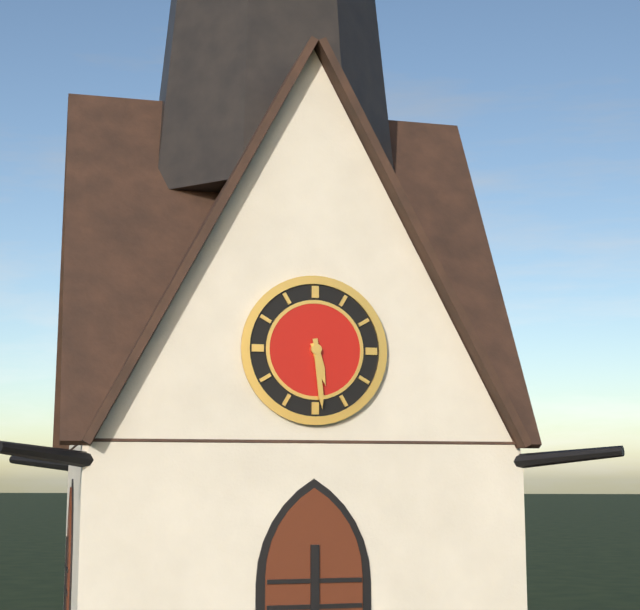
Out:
5 h 29 min
